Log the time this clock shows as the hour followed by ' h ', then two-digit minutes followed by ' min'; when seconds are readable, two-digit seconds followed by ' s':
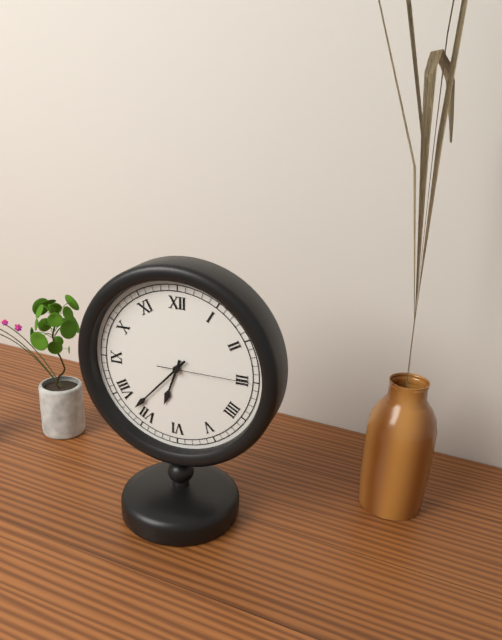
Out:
6 h 37 min 15 s
